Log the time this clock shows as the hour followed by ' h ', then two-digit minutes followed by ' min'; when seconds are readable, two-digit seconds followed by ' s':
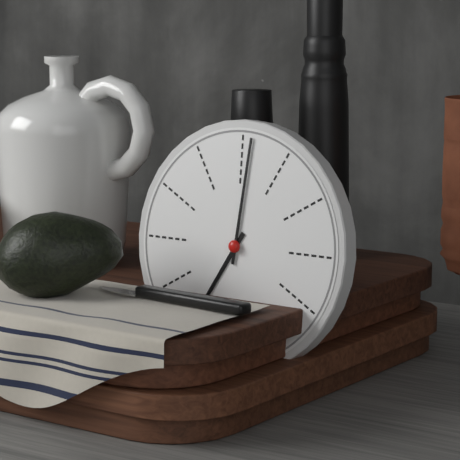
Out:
7 h 01 min
